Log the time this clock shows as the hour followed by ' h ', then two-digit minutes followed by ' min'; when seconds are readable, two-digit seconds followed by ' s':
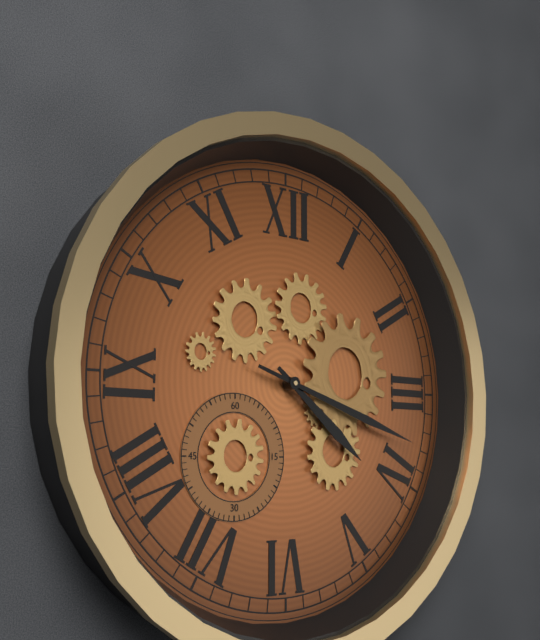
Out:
4 h 18 min
